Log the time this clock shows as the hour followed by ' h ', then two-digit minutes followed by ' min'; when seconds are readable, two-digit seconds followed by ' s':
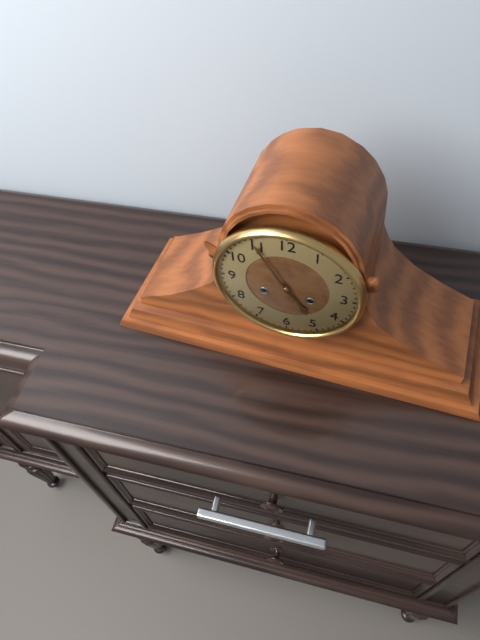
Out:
4 h 55 min
